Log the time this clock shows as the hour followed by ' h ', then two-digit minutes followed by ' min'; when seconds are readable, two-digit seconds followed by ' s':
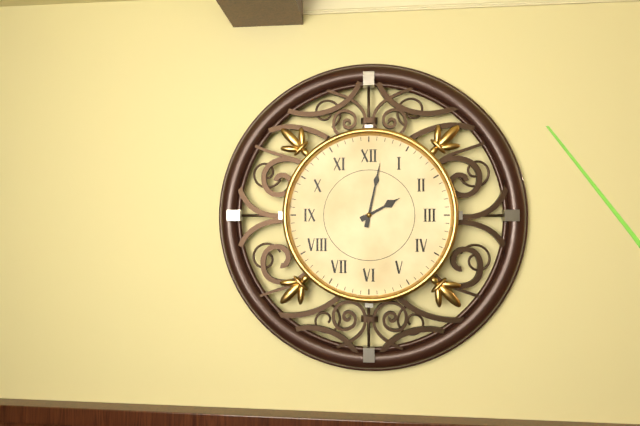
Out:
2 h 02 min
